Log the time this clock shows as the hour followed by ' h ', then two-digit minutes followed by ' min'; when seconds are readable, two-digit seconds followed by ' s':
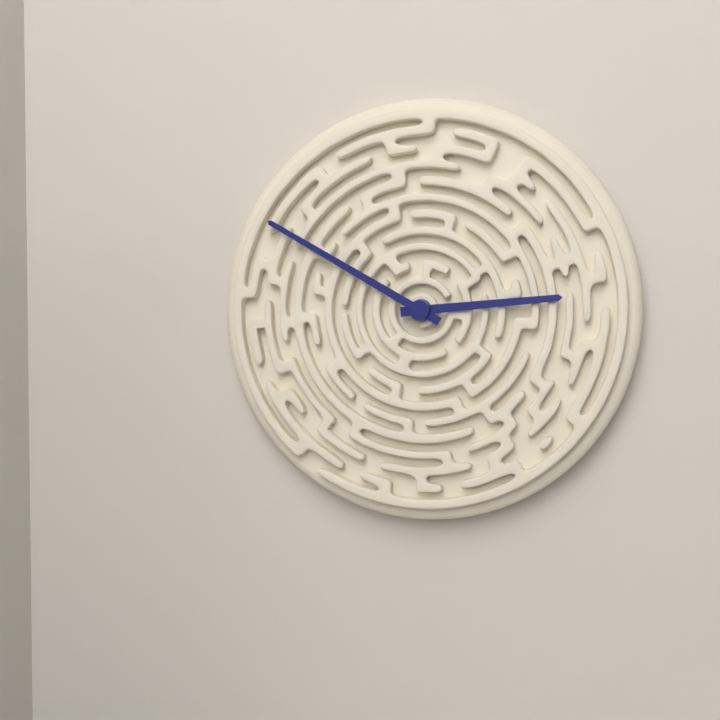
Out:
2 h 50 min
